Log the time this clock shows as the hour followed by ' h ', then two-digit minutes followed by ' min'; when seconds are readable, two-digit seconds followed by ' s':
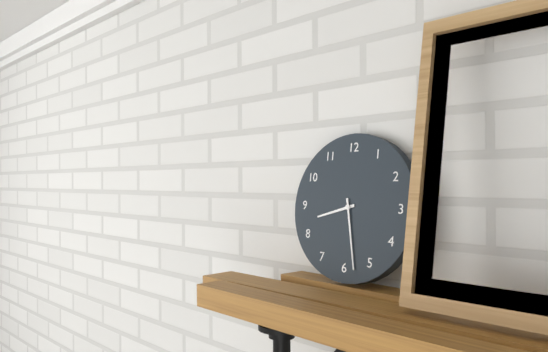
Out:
8 h 28 min
